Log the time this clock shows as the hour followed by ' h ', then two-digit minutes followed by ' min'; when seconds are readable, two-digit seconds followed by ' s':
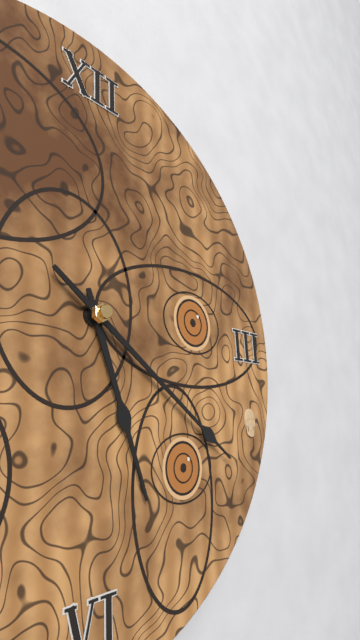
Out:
5 h 21 min
